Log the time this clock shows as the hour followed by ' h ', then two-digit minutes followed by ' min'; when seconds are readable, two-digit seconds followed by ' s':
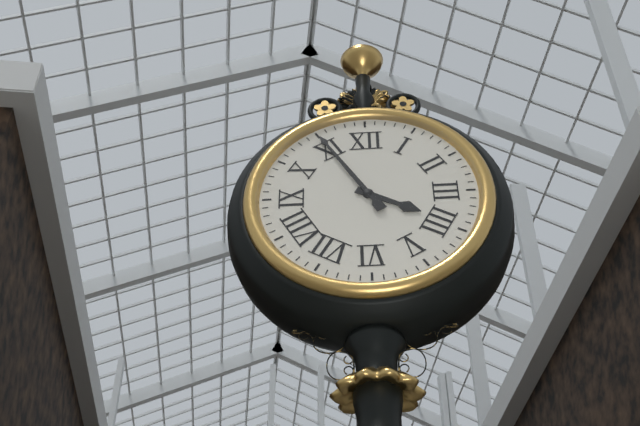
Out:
3 h 55 min
